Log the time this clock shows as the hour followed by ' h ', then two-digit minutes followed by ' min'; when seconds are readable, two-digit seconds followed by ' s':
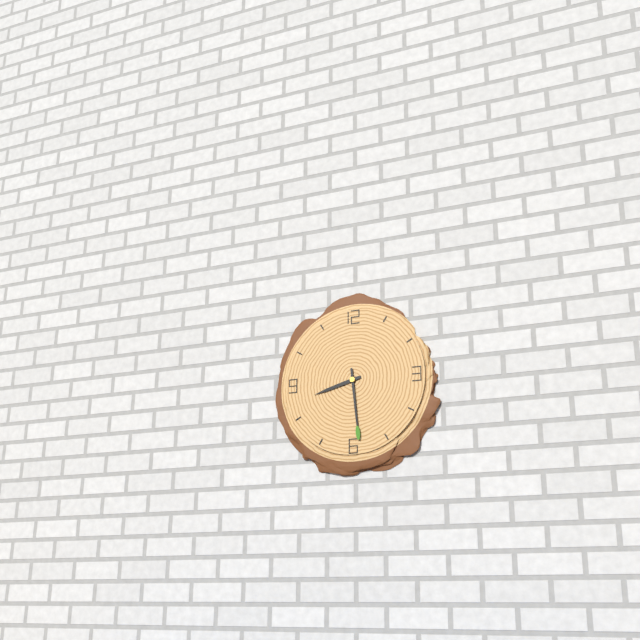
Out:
8 h 29 min
